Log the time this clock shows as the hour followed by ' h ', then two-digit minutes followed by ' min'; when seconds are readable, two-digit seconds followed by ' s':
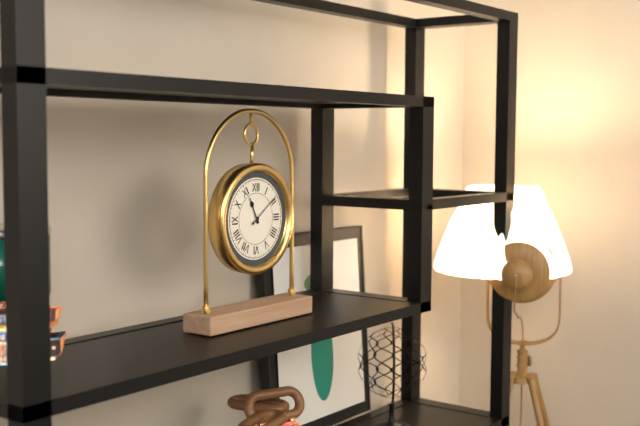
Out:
11 h 09 min
